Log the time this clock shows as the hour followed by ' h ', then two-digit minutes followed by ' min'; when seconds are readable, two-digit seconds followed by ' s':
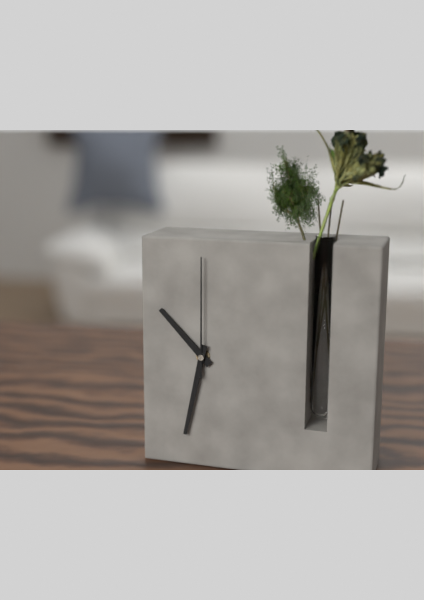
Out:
10 h 32 min 00 s
